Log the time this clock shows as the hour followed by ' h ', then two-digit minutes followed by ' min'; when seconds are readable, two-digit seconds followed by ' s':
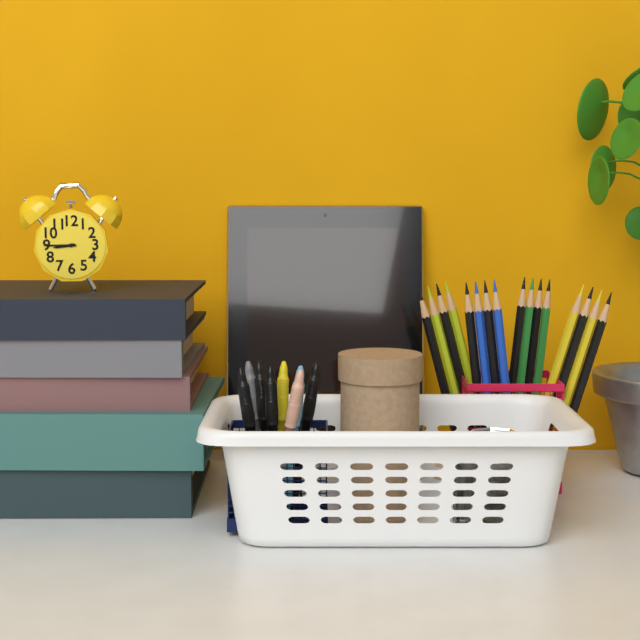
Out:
8 h 45 min
